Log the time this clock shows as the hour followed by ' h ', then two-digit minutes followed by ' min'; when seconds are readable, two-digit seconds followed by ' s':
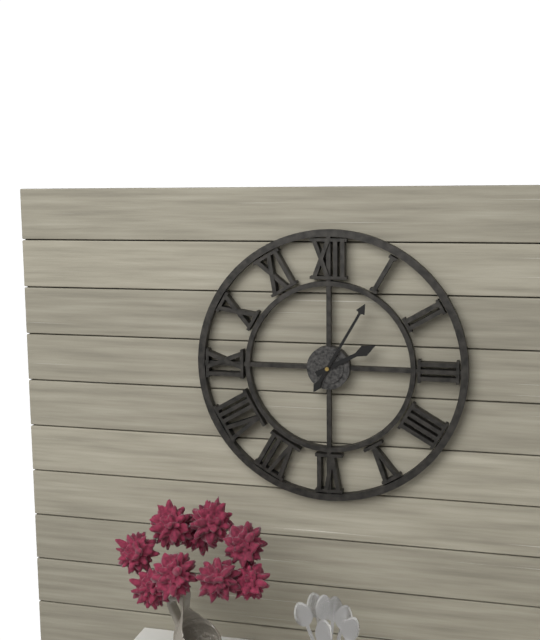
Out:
2 h 05 min
